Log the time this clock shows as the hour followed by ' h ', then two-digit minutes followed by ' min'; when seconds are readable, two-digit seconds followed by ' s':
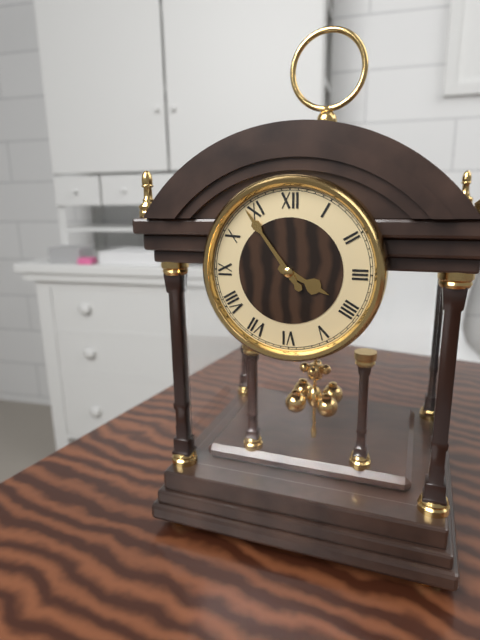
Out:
3 h 54 min
